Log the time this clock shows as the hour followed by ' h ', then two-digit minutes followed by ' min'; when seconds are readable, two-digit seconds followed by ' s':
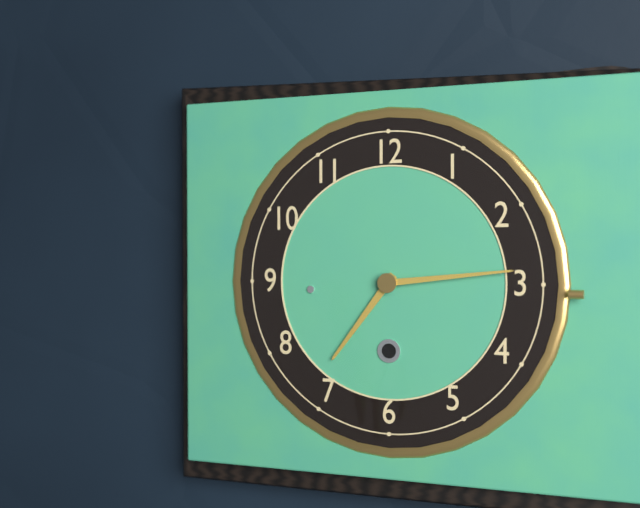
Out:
7 h 14 min
